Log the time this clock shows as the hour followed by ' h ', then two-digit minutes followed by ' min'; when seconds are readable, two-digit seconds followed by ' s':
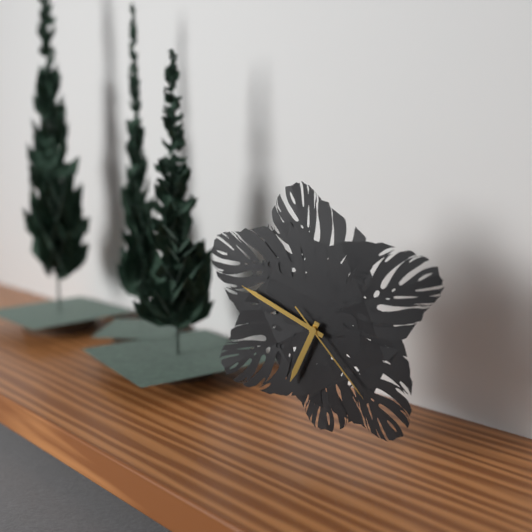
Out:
6 h 49 min 23 s
